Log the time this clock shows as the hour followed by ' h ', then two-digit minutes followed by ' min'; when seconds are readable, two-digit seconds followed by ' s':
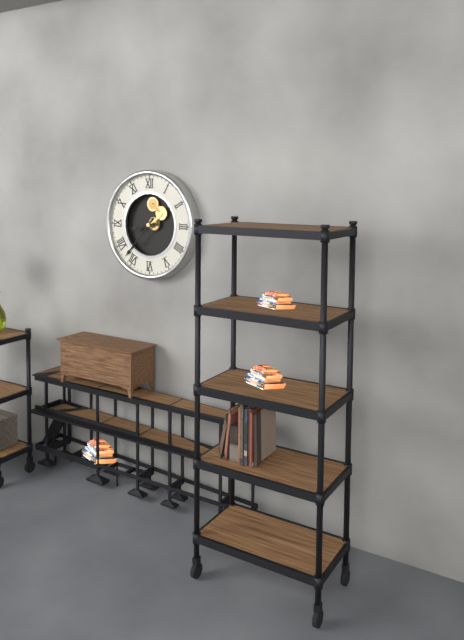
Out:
8 h 37 min
